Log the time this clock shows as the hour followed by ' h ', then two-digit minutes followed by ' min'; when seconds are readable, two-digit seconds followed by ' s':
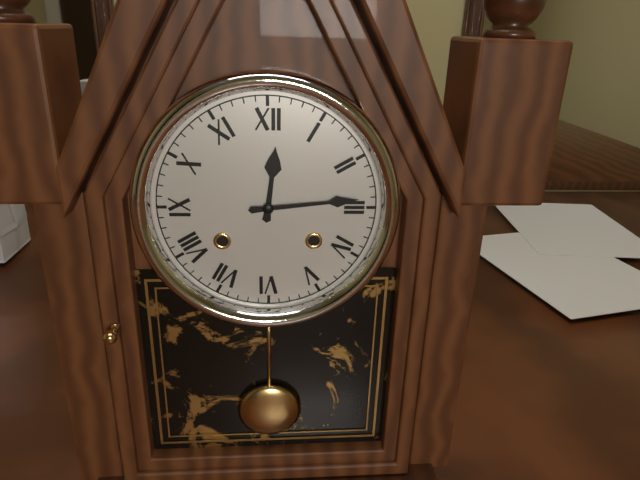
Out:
12 h 14 min
